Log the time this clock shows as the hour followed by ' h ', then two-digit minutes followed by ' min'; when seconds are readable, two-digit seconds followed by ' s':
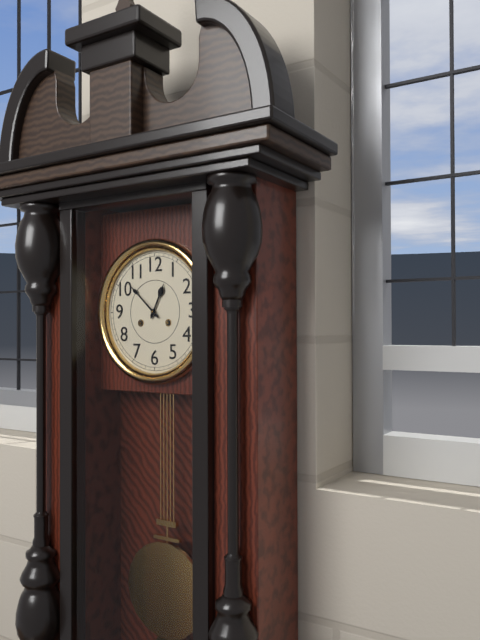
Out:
12 h 52 min
